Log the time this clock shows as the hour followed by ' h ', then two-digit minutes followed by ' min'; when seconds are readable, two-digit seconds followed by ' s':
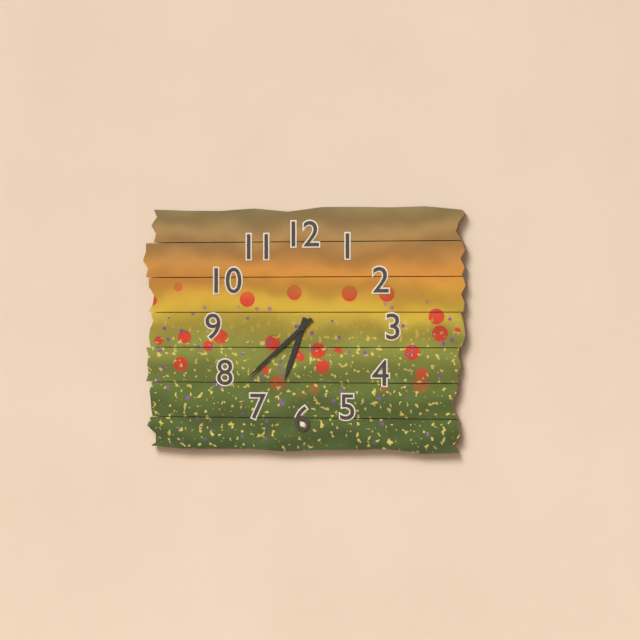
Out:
6 h 38 min
